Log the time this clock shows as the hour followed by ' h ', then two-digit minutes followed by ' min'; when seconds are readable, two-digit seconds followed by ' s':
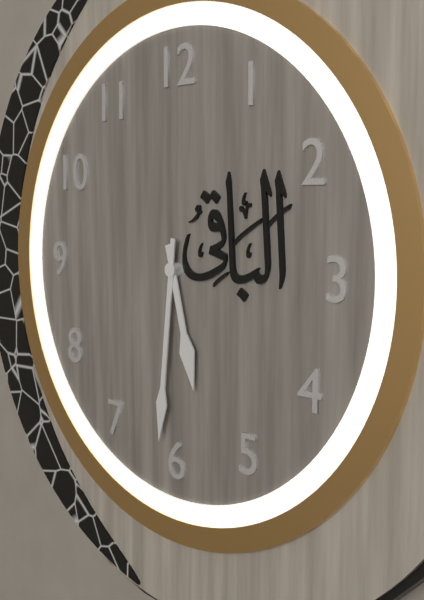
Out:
5 h 31 min
